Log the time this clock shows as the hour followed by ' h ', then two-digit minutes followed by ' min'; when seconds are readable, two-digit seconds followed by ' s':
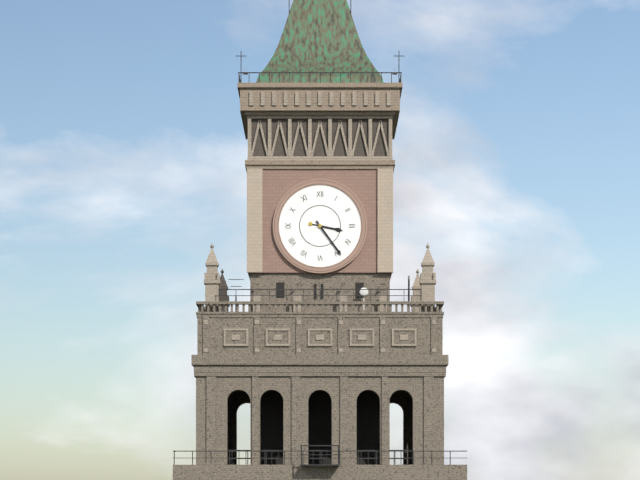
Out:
3 h 24 min
